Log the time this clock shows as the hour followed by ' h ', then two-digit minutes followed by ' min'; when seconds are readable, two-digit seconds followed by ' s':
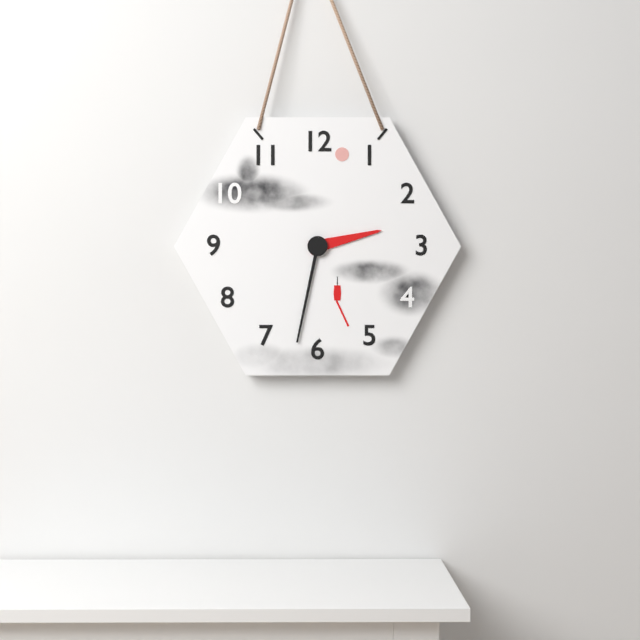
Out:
2 h 32 min
